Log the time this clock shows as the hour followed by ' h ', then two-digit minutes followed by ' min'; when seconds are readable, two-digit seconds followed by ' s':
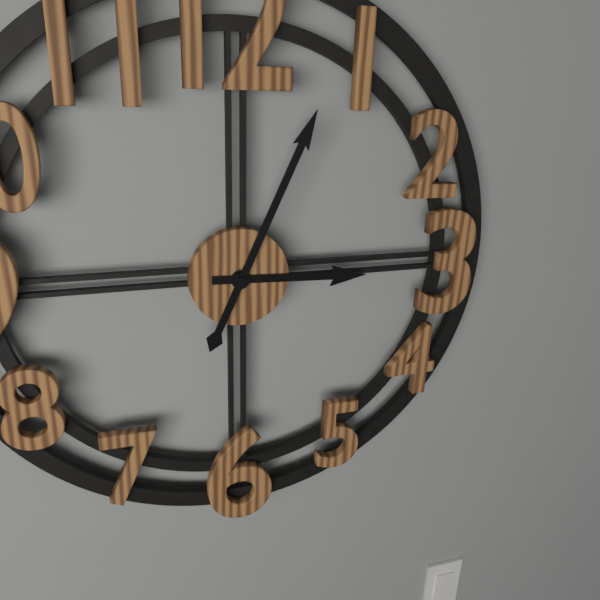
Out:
3 h 04 min
